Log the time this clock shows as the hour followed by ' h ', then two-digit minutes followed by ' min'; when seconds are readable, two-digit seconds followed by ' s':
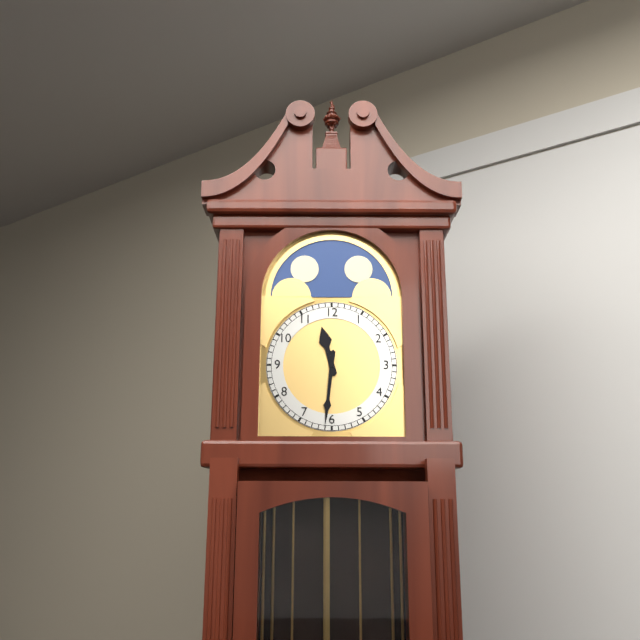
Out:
11 h 31 min
